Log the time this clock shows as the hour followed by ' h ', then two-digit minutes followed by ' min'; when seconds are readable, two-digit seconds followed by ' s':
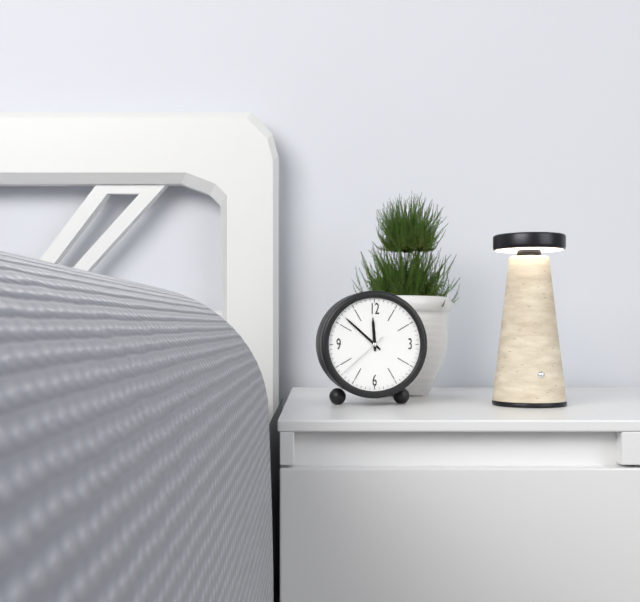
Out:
11 h 52 min 38 s
